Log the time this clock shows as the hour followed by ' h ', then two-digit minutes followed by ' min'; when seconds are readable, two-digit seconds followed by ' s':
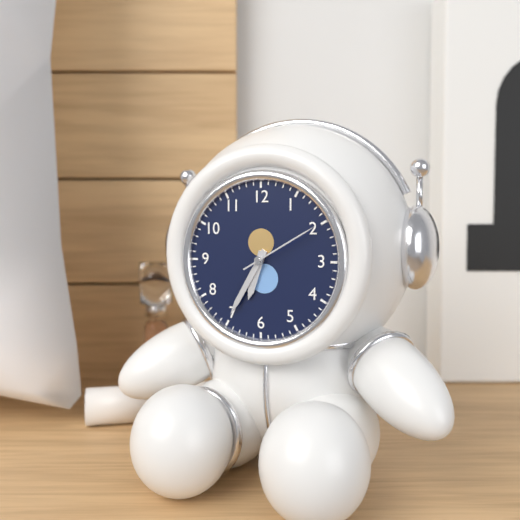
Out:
6 h 35 min 10 s
